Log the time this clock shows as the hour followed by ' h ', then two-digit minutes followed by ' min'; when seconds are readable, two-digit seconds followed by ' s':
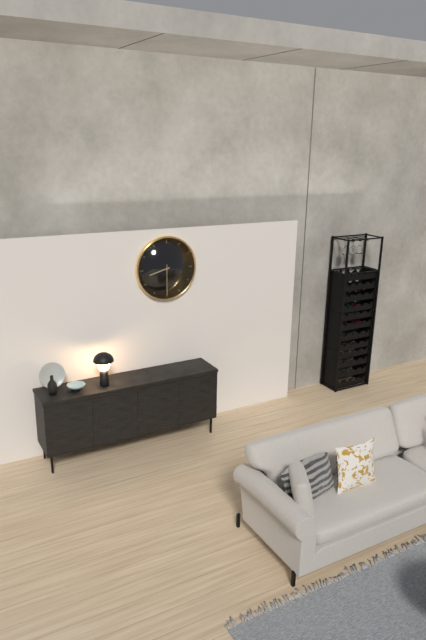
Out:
8 h 30 min
